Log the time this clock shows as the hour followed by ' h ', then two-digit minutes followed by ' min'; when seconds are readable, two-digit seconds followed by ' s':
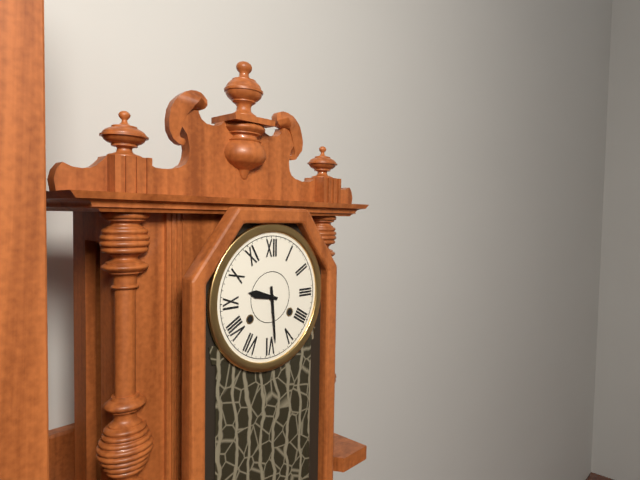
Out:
9 h 29 min
